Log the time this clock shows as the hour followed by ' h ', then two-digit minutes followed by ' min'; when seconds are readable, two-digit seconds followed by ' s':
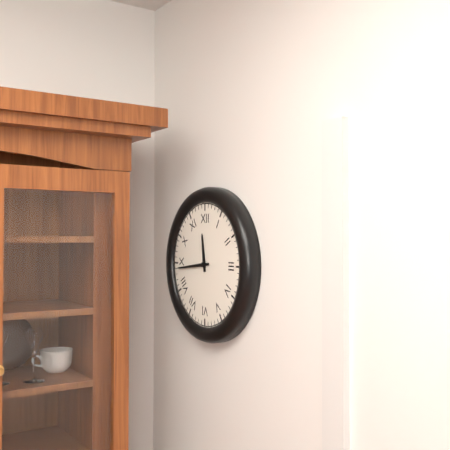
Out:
11 h 44 min
